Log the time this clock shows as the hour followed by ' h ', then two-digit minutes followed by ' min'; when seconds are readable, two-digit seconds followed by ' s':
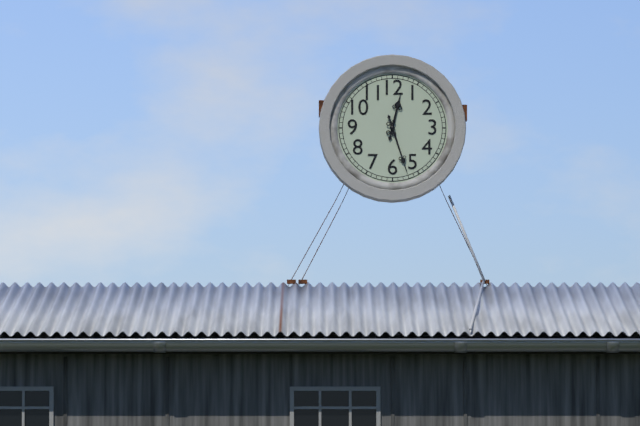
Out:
12 h 27 min
